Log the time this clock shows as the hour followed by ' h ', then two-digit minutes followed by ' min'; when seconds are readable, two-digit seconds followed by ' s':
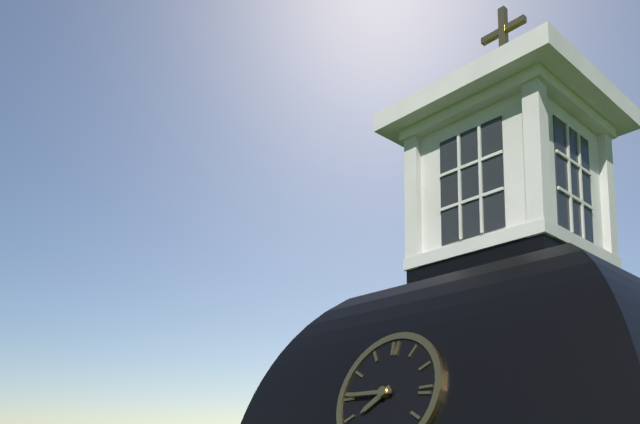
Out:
7 h 45 min
